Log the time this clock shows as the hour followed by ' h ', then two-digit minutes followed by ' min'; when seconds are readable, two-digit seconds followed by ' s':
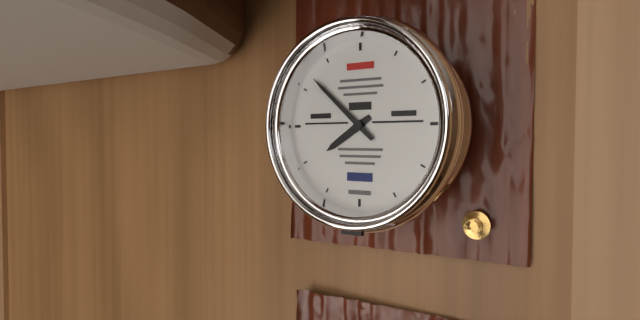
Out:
7 h 52 min
